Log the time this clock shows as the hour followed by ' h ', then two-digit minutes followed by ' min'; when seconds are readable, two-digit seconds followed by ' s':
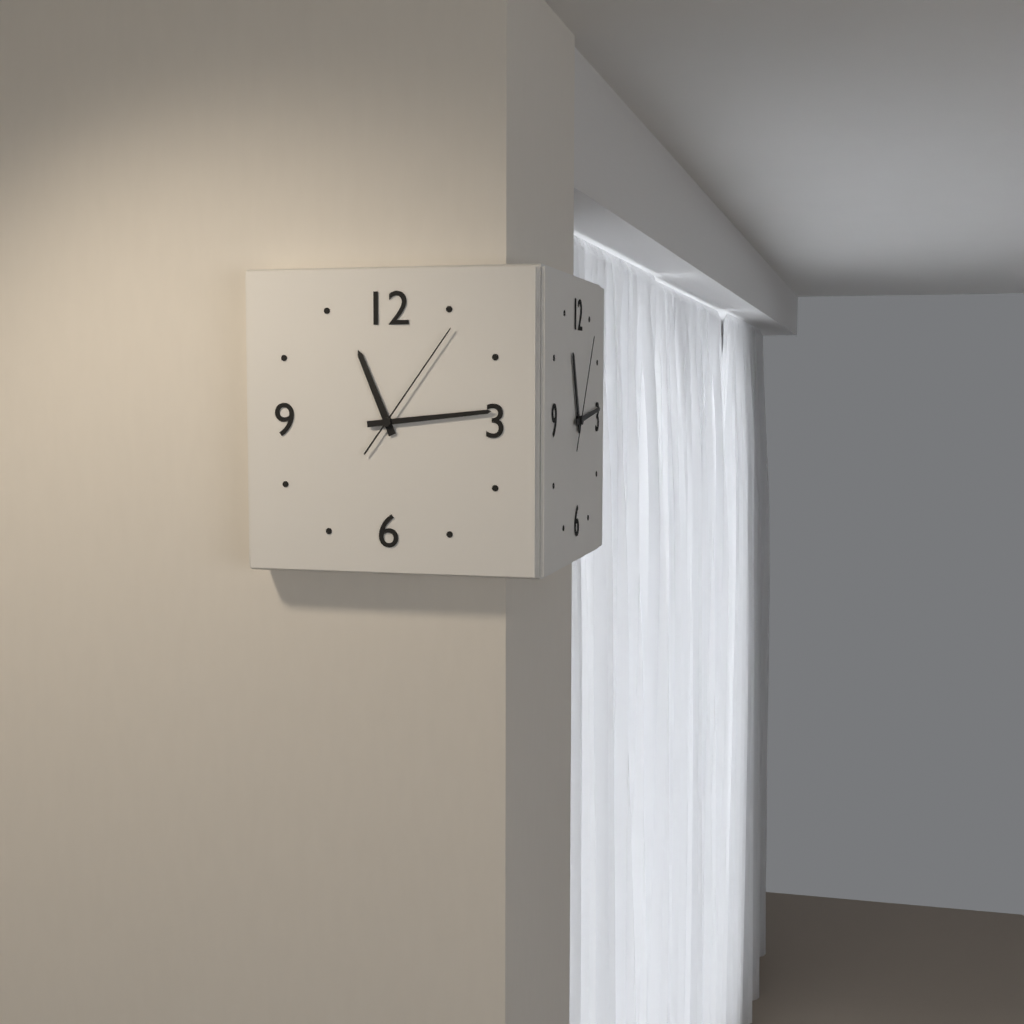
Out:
11 h 14 min 06 s
